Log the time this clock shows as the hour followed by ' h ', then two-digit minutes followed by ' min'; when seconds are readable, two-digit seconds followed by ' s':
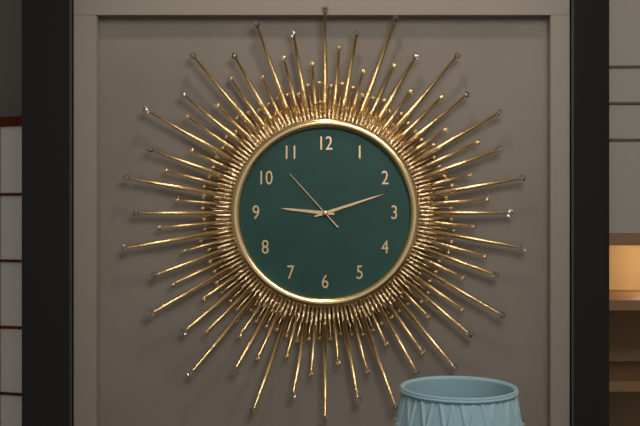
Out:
9 h 12 min 53 s
